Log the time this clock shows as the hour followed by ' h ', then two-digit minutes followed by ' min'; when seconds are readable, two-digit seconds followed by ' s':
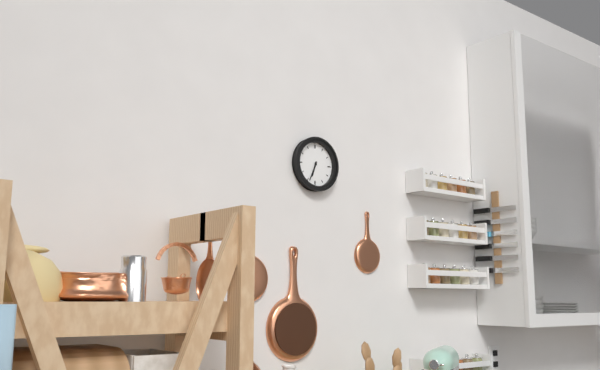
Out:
6 h 34 min
